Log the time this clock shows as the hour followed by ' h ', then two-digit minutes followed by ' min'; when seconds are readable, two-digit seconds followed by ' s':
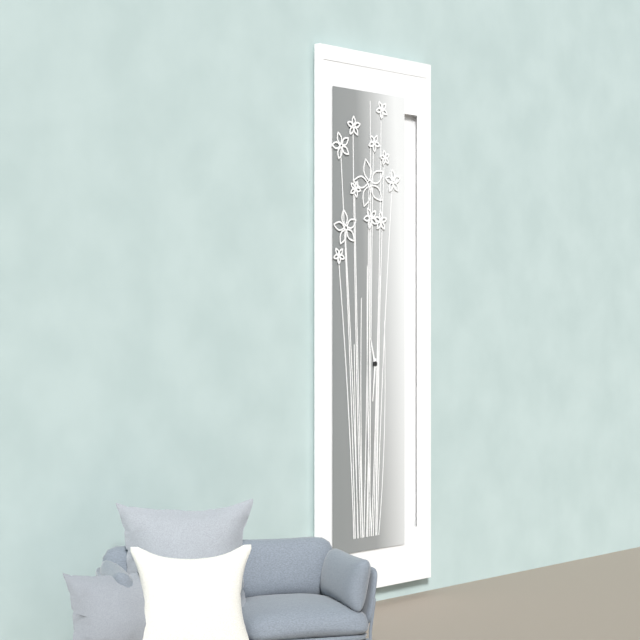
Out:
11 h 31 min
